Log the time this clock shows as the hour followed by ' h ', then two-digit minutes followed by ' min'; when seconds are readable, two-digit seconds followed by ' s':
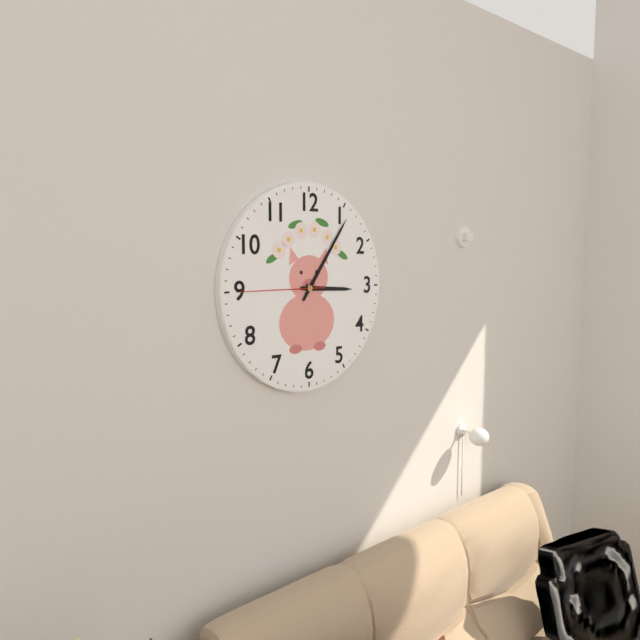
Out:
3 h 06 min 45 s
